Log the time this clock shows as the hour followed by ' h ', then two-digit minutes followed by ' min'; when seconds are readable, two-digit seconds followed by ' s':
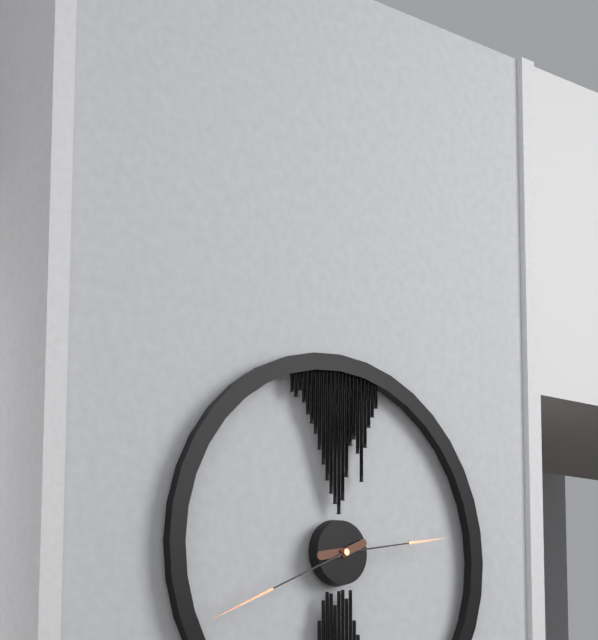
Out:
2 h 41 min
